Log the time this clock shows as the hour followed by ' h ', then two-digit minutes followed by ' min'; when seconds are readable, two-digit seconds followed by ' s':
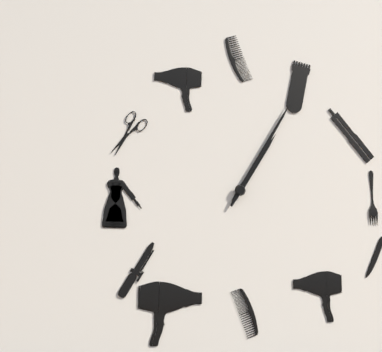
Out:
1 h 05 min
